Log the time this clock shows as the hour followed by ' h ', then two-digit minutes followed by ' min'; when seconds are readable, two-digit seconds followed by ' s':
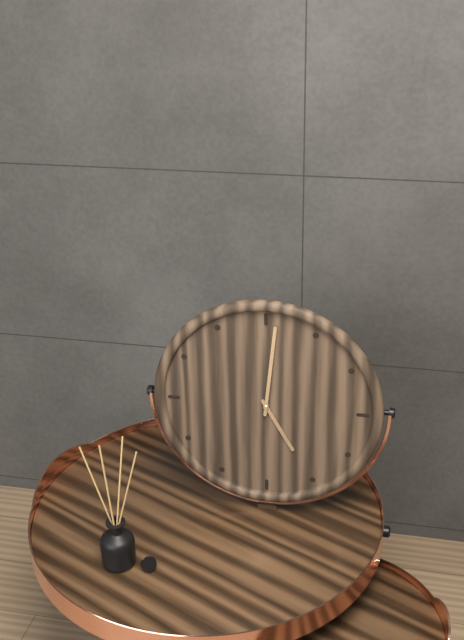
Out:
5 h 01 min
